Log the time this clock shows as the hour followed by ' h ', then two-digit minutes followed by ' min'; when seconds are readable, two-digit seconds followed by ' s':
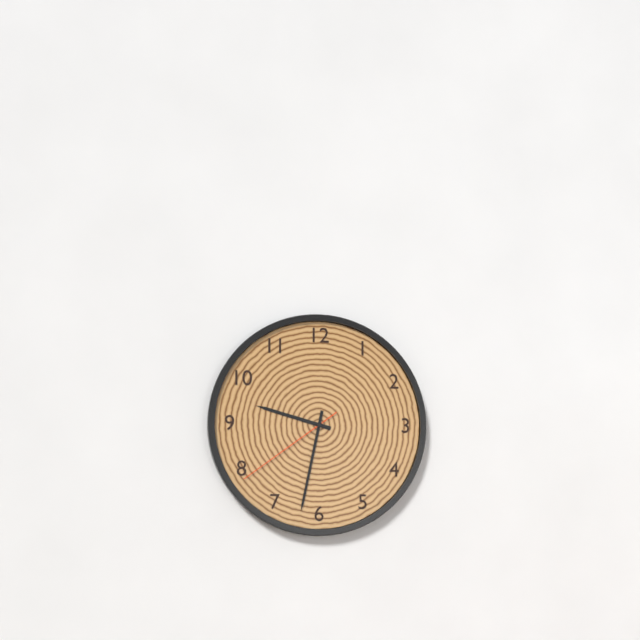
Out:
9 h 32 min 39 s
